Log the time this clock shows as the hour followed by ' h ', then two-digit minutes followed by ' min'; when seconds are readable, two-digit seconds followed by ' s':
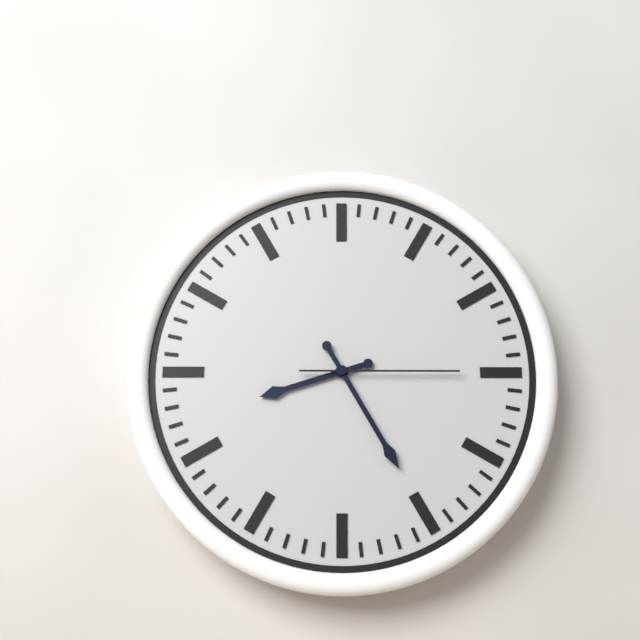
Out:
8 h 25 min 15 s
